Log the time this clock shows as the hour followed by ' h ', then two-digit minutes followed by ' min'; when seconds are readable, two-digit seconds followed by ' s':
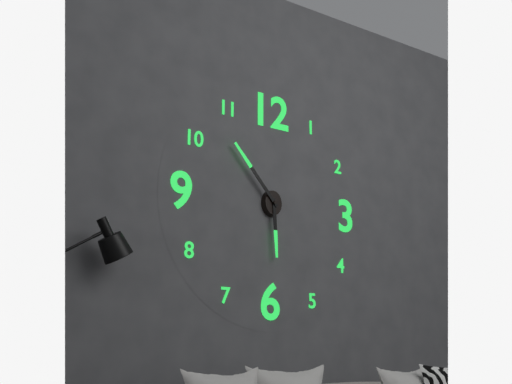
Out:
5 h 53 min
